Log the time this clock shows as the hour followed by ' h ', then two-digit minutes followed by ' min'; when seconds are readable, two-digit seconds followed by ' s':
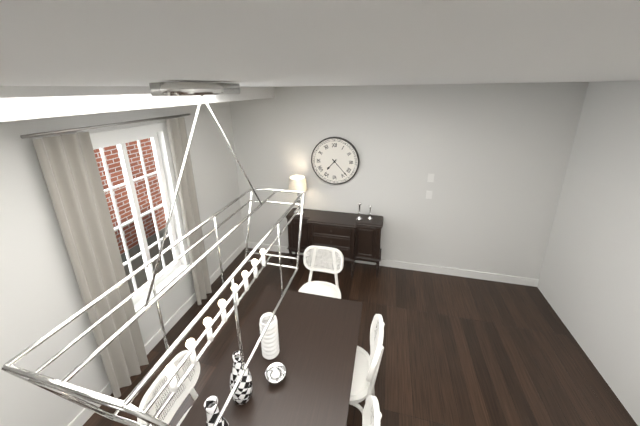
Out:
7 h 23 min
